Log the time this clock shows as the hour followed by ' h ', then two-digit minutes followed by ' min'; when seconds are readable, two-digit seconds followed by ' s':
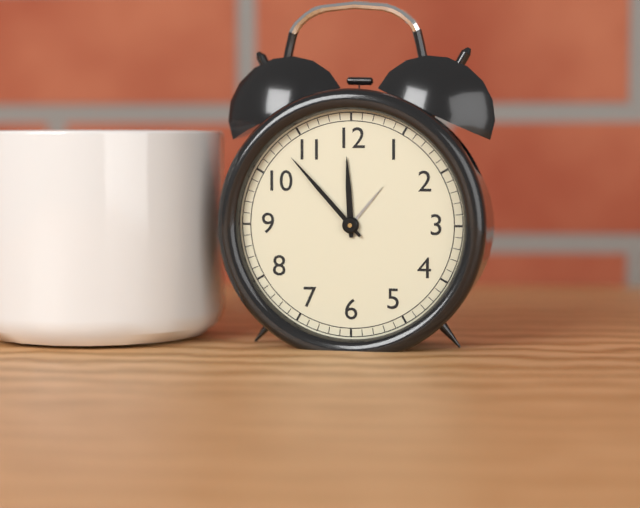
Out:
11 h 53 min
